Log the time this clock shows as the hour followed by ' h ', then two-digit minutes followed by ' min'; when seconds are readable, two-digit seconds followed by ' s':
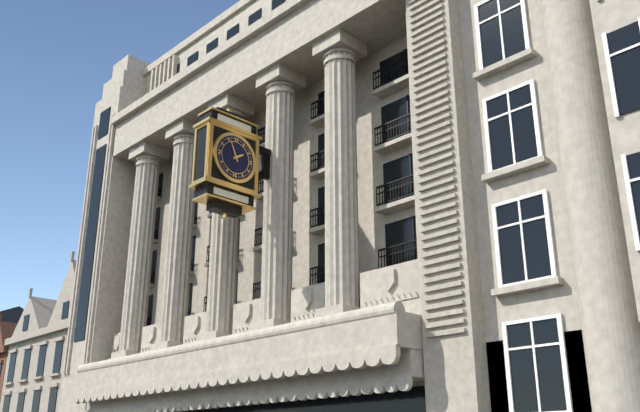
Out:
1 h 56 min
